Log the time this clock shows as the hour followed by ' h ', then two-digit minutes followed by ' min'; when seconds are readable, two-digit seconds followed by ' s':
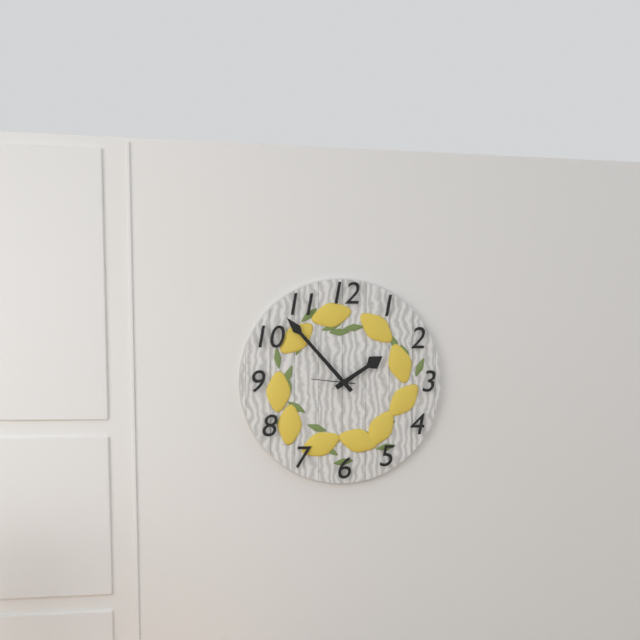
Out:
1 h 53 min
